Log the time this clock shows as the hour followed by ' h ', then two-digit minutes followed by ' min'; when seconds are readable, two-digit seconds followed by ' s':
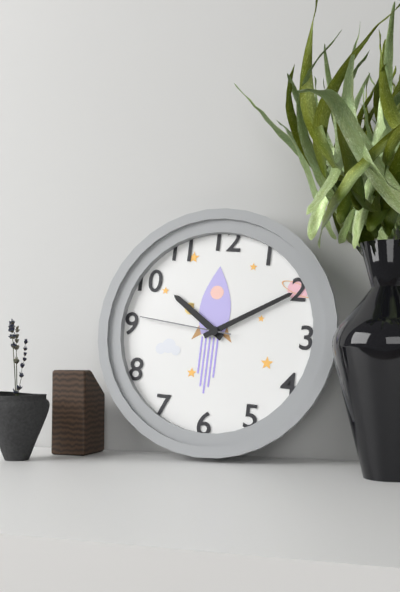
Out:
10 h 10 min 46 s
